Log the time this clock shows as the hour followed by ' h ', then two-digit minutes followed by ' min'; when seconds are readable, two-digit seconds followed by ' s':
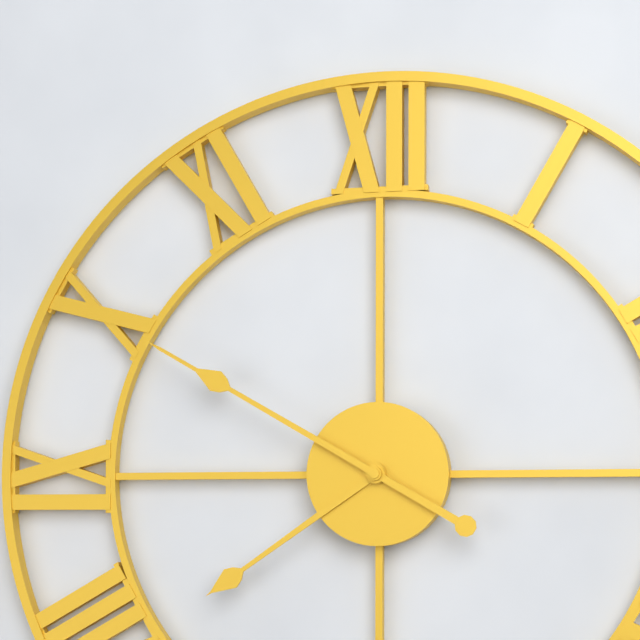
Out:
7 h 50 min
